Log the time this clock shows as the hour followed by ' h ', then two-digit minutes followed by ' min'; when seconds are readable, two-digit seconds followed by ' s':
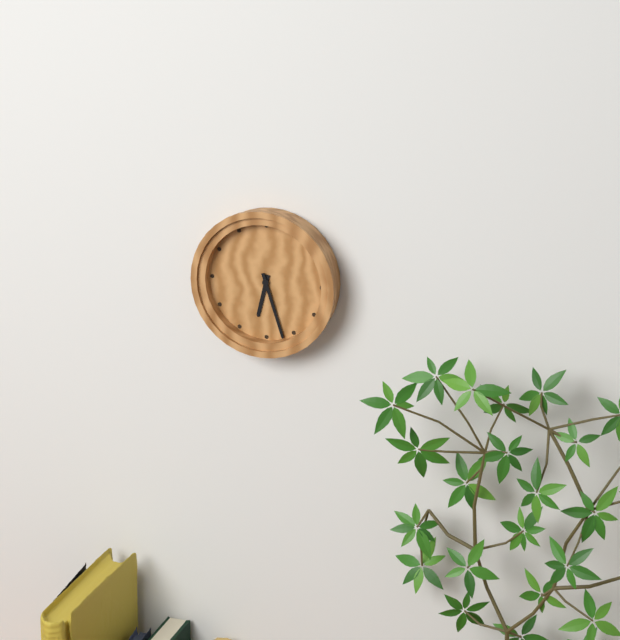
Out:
6 h 27 min
